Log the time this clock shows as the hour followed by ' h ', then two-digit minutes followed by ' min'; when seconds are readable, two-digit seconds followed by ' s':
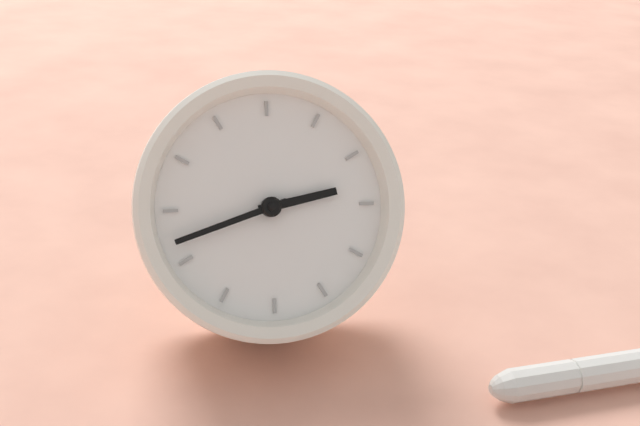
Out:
1 h 37 min
